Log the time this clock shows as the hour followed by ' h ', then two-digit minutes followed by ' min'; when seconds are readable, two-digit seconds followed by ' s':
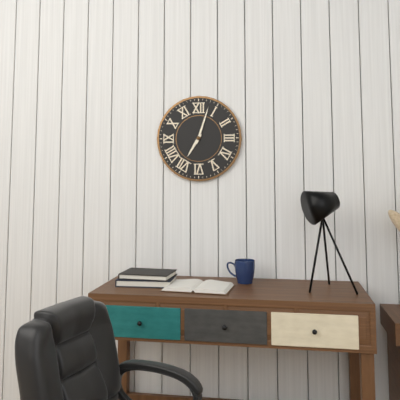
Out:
7 h 03 min
